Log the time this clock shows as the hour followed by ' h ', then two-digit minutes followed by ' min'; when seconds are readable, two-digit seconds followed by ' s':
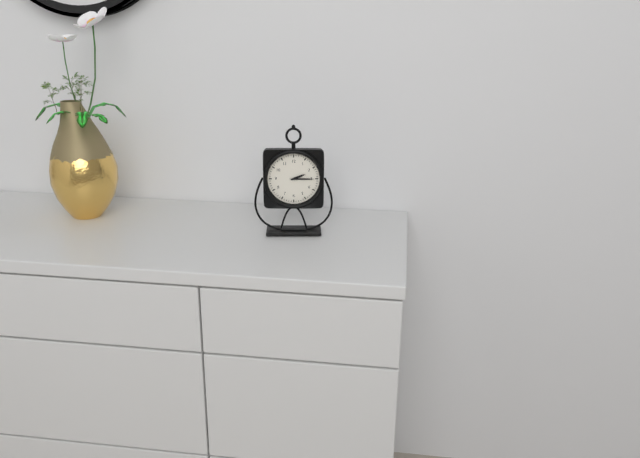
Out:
2 h 15 min
